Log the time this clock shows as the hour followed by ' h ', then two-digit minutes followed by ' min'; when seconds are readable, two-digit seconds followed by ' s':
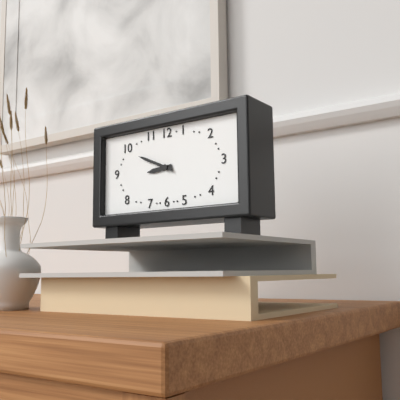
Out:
8 h 49 min
